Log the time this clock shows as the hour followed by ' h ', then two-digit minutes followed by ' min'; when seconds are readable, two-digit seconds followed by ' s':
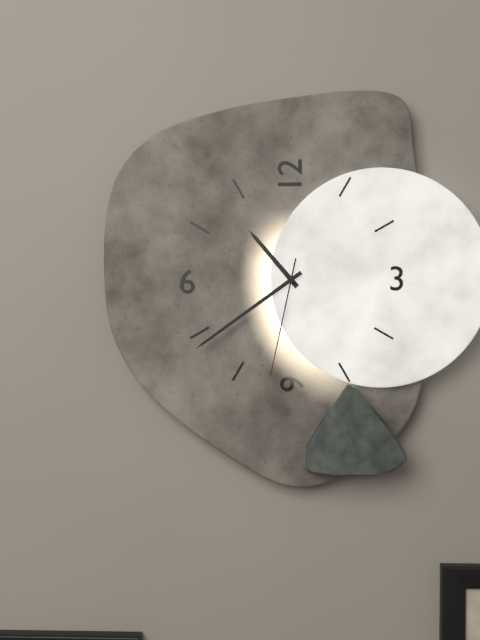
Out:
10 h 39 min 32 s
